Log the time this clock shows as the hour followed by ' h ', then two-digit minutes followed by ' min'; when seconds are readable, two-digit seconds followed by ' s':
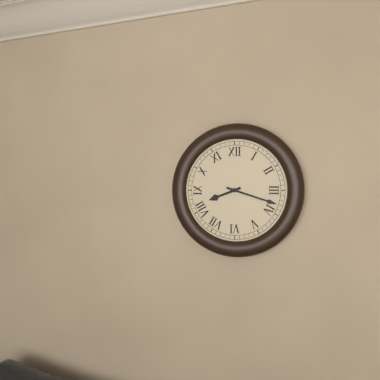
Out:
8 h 18 min
